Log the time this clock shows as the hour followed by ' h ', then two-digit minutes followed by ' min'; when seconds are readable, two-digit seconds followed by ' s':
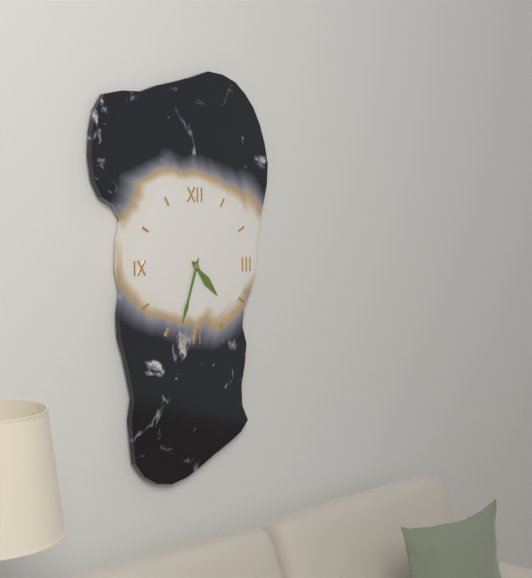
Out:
4 h 33 min
